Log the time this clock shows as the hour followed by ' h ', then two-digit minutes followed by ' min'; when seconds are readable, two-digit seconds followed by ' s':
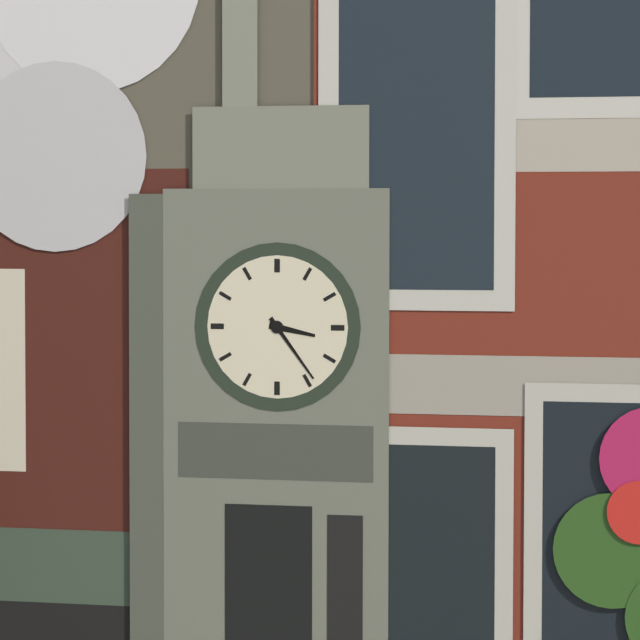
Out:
3 h 24 min
